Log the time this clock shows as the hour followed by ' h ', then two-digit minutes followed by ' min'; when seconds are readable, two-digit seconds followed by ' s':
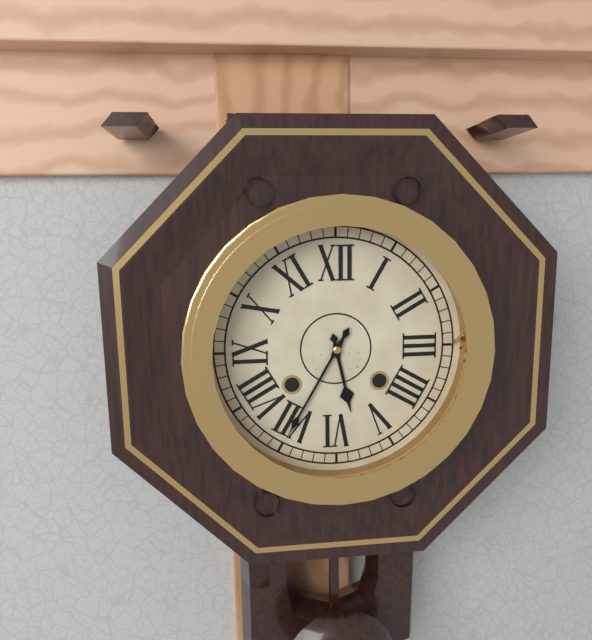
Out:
5 h 35 min
